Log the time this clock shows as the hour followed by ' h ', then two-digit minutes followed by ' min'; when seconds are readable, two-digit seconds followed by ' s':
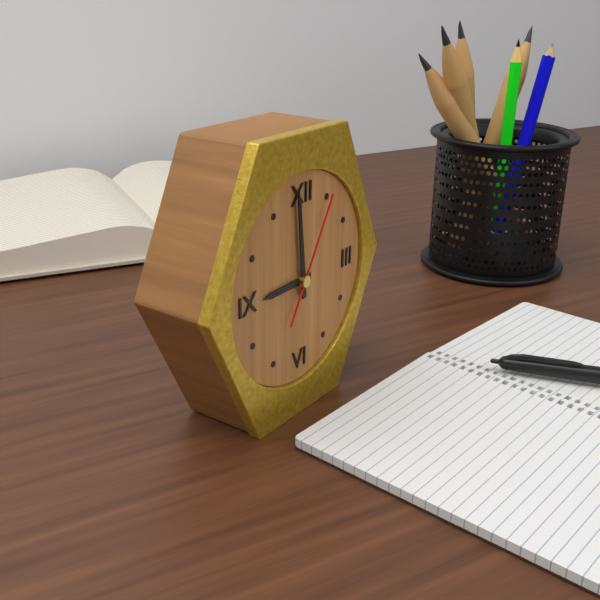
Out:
8 h 59 min 05 s
